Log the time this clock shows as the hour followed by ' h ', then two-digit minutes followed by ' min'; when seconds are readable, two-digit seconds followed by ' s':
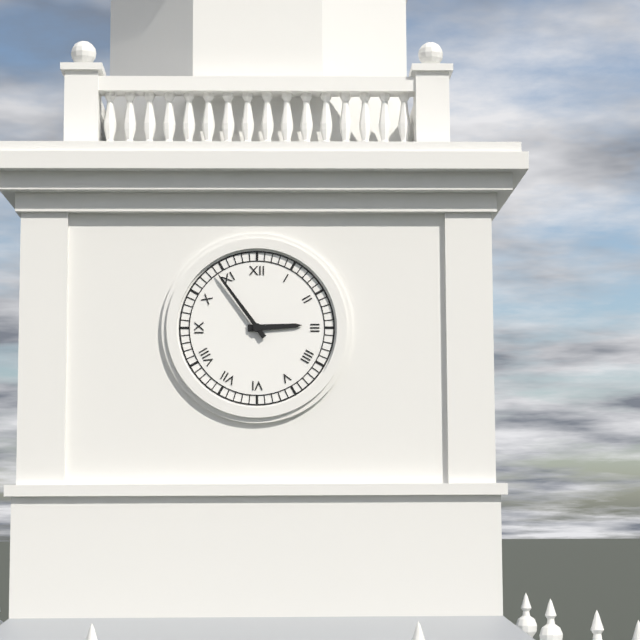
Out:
2 h 54 min
